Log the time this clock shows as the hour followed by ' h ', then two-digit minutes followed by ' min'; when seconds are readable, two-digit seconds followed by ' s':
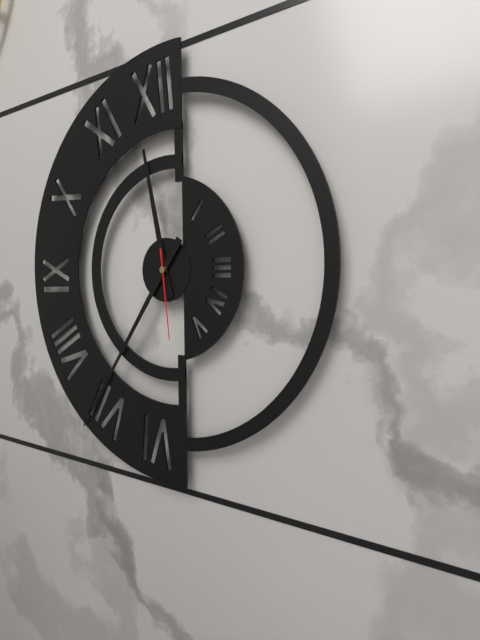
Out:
11 h 36 min 29 s
